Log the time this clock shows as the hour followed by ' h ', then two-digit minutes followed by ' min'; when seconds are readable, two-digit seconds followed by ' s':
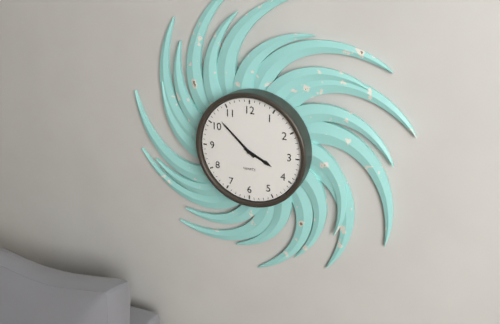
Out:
3 h 52 min
